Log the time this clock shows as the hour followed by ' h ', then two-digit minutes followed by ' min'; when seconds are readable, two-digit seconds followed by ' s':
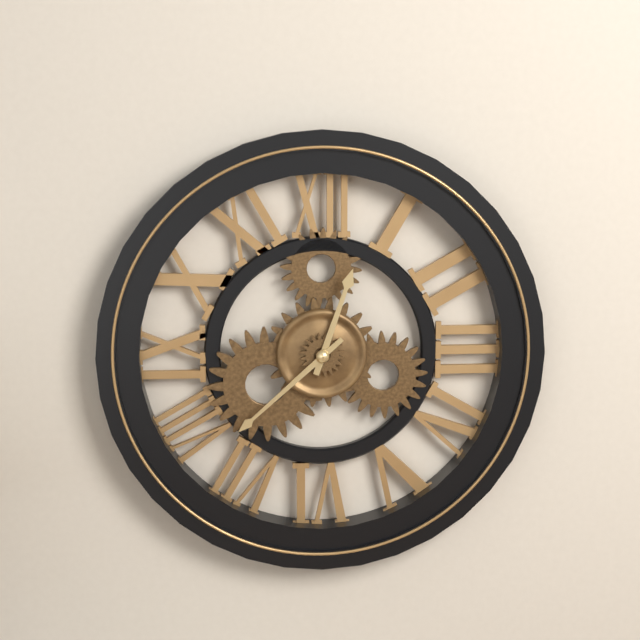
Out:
12 h 38 min
